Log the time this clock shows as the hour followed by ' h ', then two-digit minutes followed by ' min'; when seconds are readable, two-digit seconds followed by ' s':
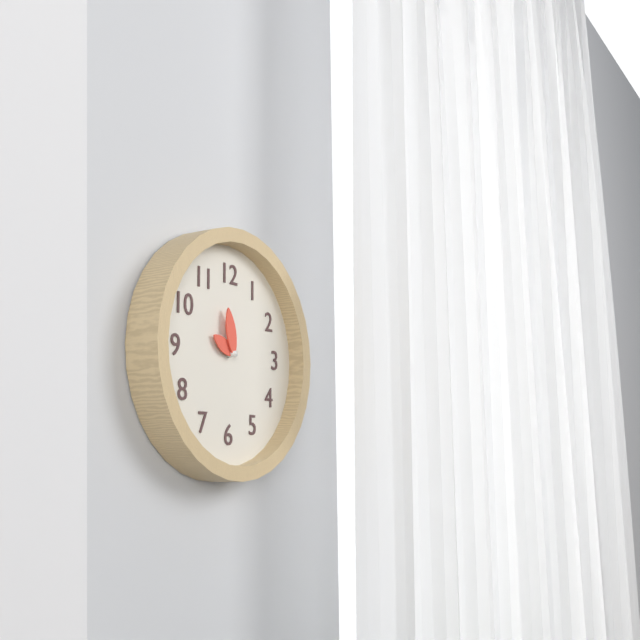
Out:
9 h 58 min
